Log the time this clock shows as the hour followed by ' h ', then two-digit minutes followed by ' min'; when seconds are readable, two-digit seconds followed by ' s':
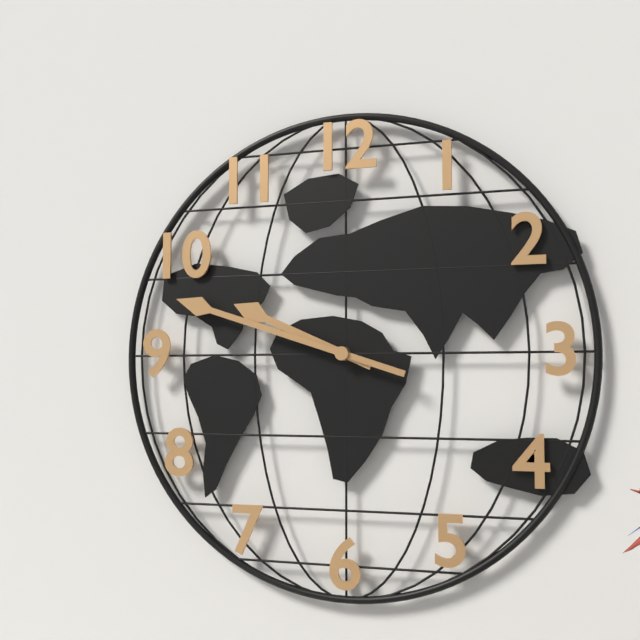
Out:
9 h 48 min
